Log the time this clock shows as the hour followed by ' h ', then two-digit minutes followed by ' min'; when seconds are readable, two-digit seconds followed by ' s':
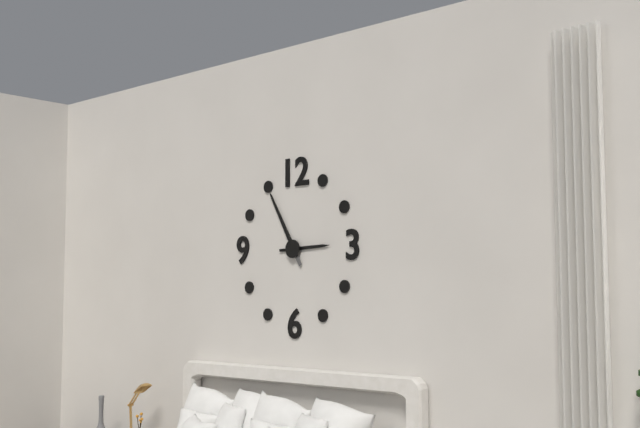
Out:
2 h 55 min
